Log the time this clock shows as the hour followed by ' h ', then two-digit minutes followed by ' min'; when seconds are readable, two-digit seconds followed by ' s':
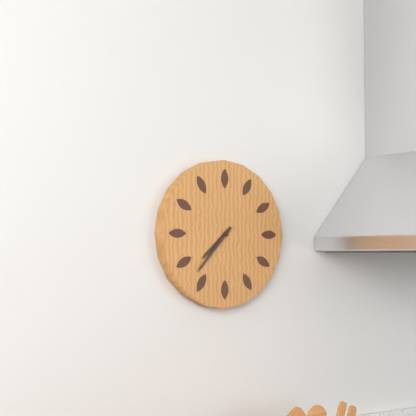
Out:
7 h 37 min
